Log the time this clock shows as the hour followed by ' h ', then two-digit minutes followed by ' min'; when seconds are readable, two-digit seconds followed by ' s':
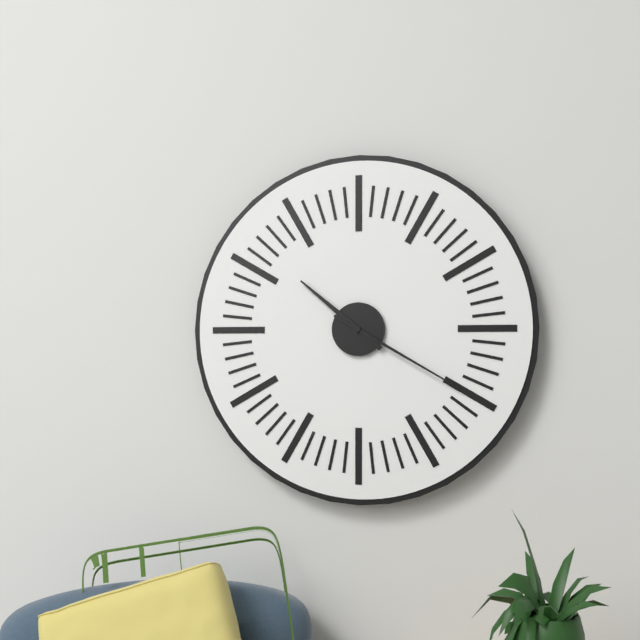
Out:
10 h 20 min
